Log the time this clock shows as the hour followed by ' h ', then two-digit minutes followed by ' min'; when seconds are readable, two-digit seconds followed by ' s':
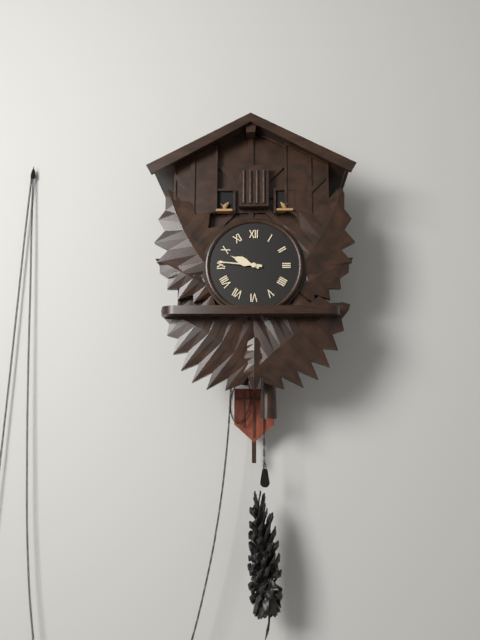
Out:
9 h 46 min
